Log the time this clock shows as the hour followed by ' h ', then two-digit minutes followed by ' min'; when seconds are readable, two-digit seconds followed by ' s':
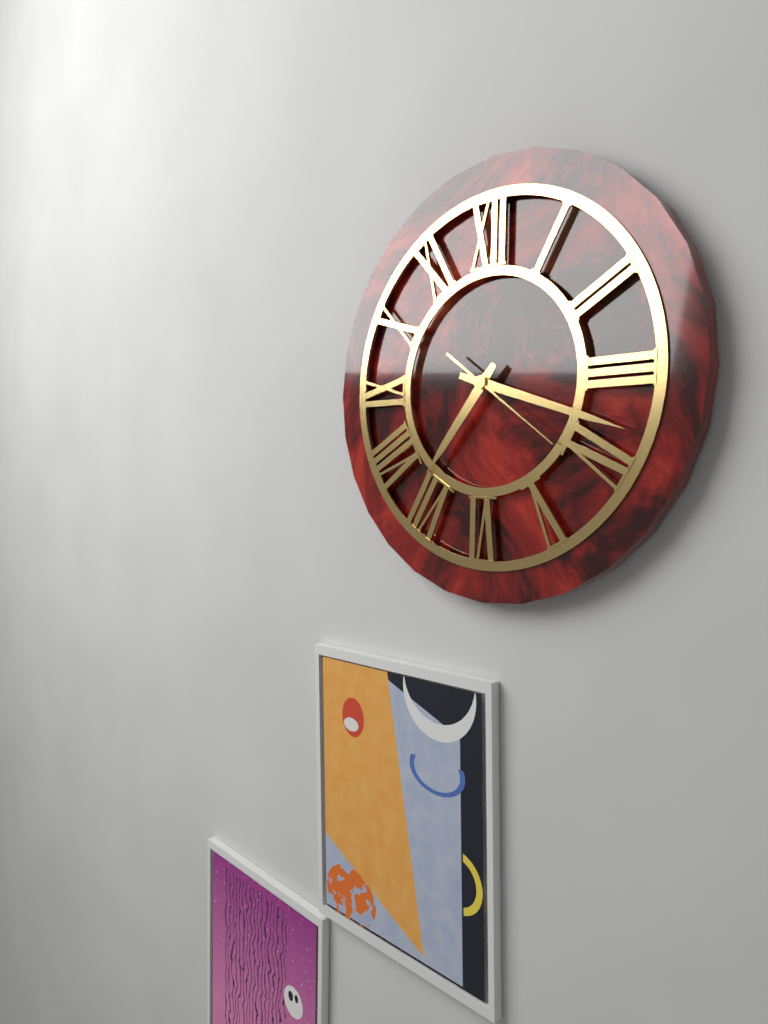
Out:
7 h 18 min 21 s
